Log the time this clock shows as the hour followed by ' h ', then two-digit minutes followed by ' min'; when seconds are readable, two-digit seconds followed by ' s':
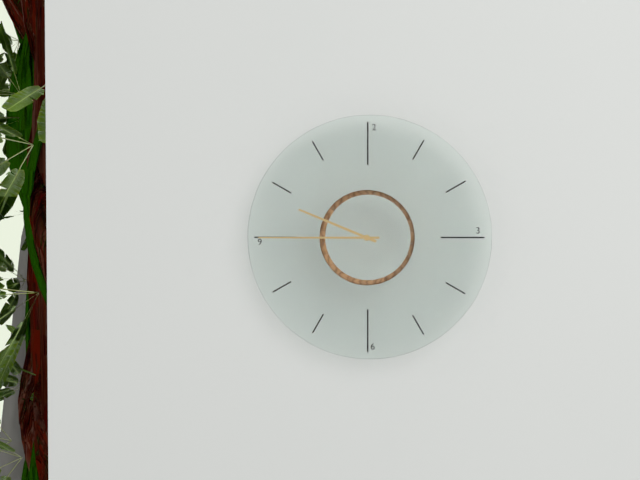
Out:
9 h 45 min
